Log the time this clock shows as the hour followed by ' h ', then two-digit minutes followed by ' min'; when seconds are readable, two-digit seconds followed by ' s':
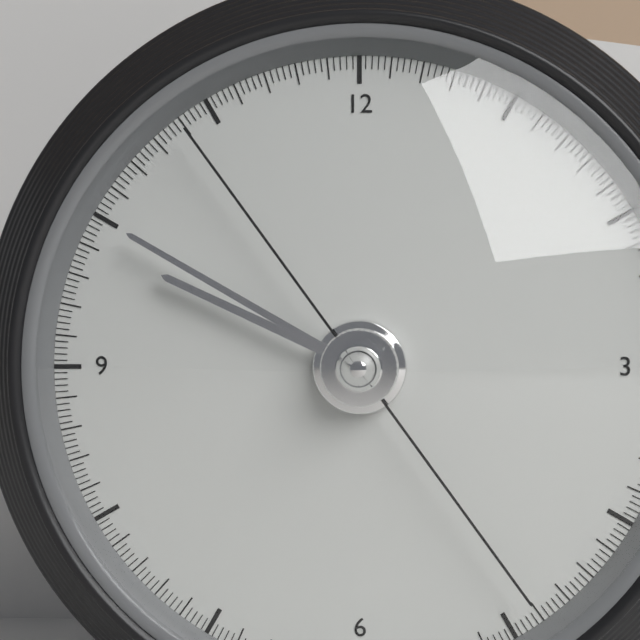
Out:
9 h 50 min 24 s
